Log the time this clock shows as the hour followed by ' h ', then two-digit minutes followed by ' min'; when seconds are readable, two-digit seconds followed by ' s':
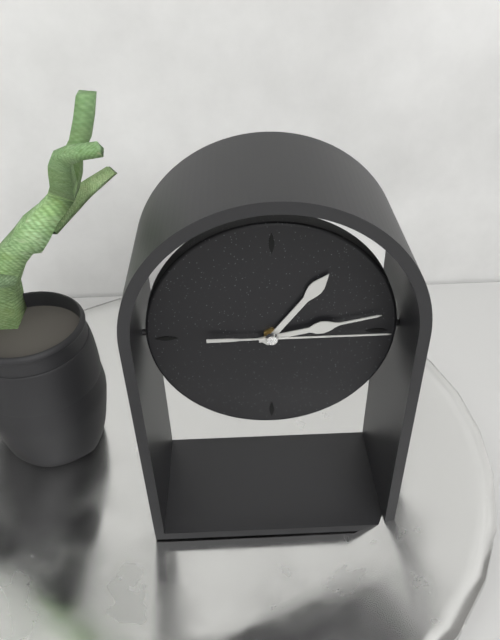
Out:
1 h 13 min 15 s
